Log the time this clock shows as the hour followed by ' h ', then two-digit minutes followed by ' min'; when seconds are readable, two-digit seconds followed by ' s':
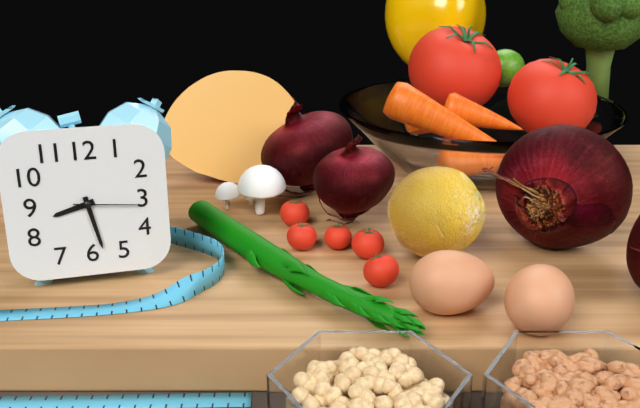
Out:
8 h 28 min 16 s
